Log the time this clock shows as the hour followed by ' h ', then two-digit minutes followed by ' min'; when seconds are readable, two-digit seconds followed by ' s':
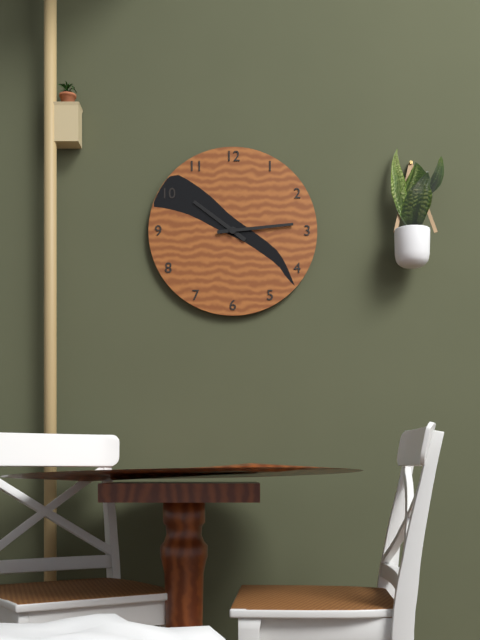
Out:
10 h 14 min
